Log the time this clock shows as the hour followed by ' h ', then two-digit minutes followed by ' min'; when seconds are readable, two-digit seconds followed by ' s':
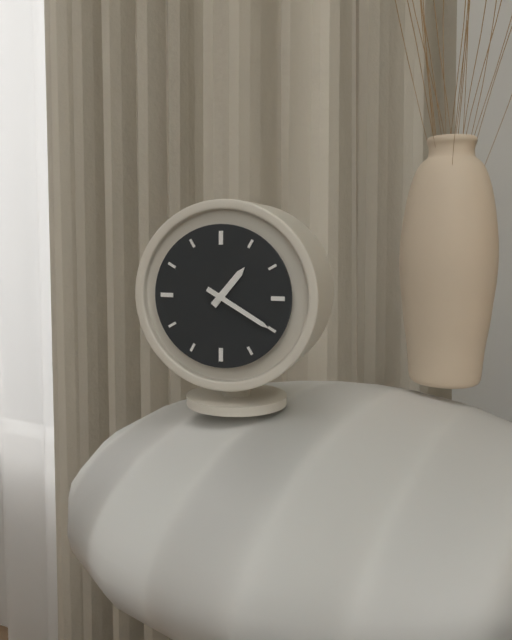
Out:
1 h 20 min
